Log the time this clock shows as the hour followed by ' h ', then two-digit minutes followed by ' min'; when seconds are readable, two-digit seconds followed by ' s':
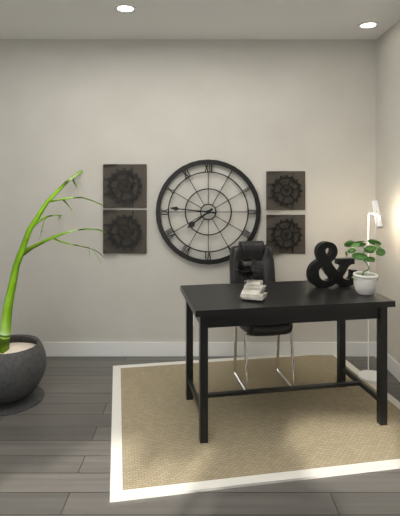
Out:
7 h 46 min
